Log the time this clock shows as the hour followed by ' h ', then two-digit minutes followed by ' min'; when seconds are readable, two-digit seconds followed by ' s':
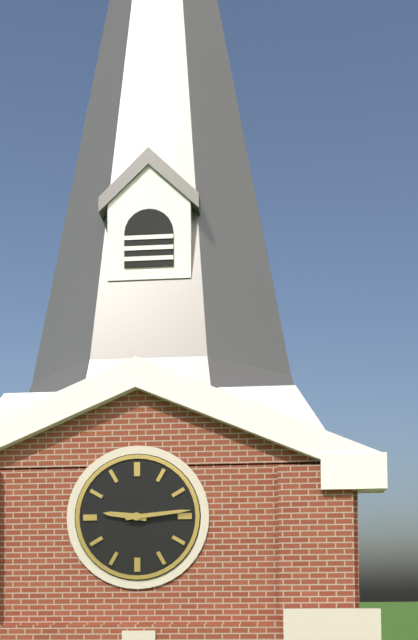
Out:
9 h 14 min
